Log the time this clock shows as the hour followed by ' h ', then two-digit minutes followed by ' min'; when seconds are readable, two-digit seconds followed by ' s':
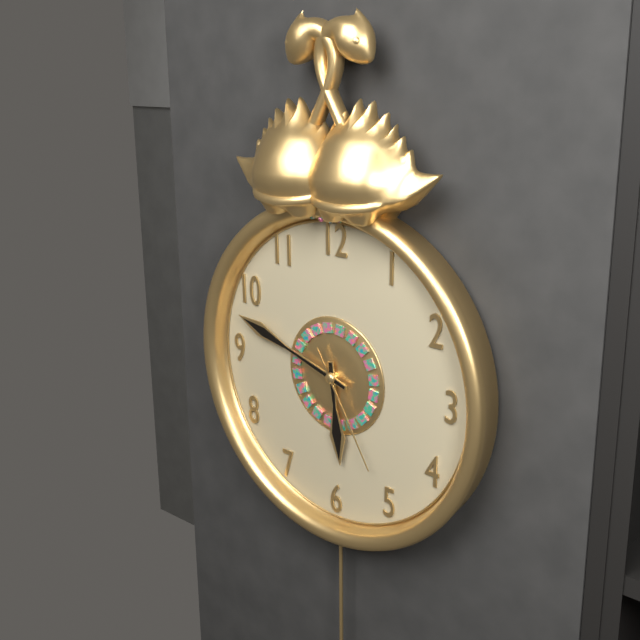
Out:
5 h 48 min 25 s
